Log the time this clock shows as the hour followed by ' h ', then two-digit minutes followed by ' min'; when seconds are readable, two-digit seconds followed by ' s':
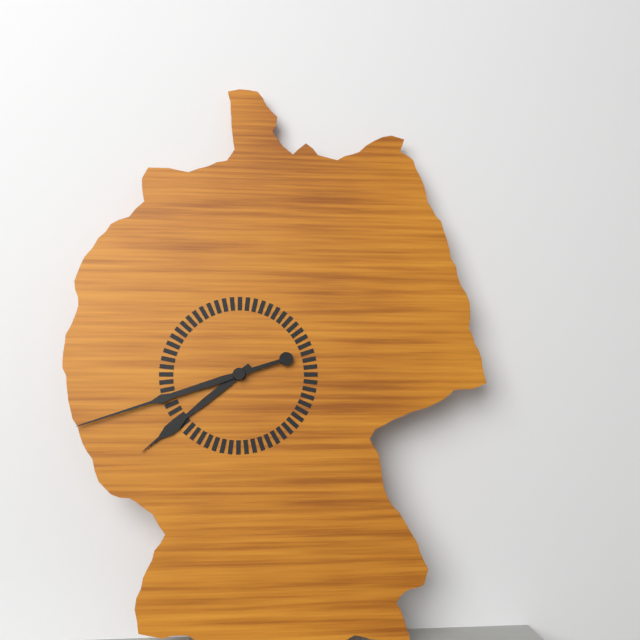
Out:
7 h 42 min
